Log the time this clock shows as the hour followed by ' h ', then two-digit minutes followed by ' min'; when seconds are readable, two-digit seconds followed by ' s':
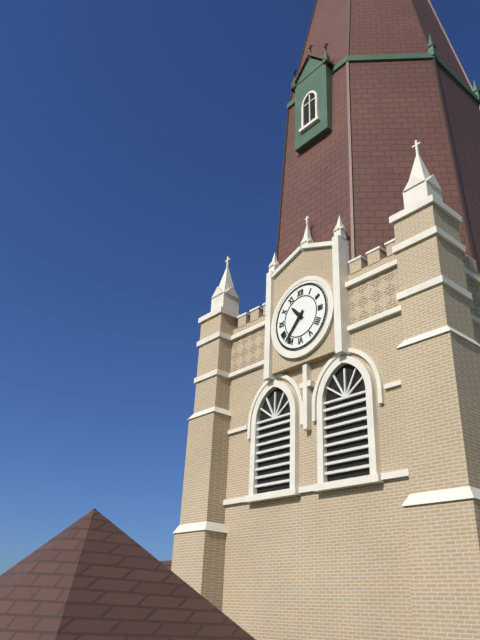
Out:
10 h 37 min
